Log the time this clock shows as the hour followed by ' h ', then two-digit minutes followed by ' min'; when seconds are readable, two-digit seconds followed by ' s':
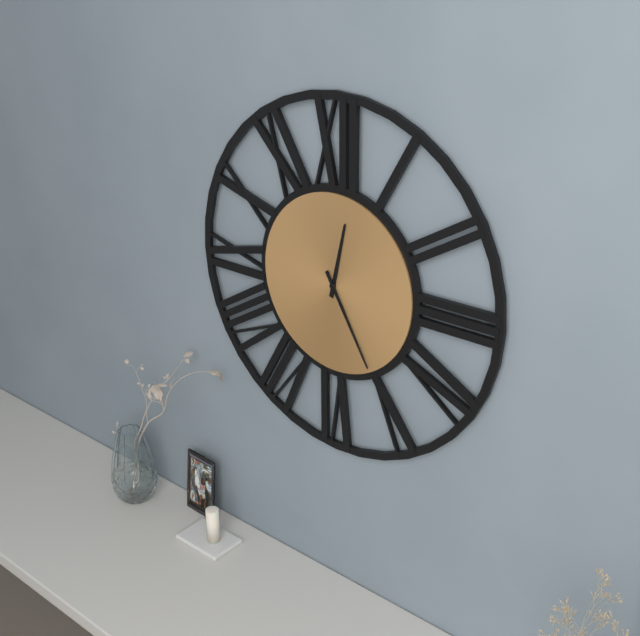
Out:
12 h 25 min
